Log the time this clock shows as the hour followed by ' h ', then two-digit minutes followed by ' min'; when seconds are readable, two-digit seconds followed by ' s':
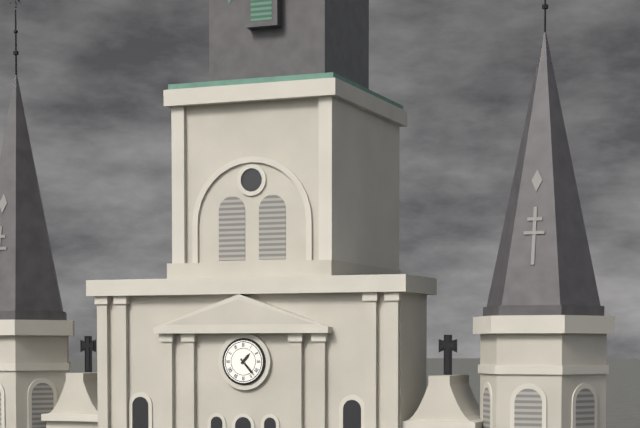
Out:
1 h 23 min
